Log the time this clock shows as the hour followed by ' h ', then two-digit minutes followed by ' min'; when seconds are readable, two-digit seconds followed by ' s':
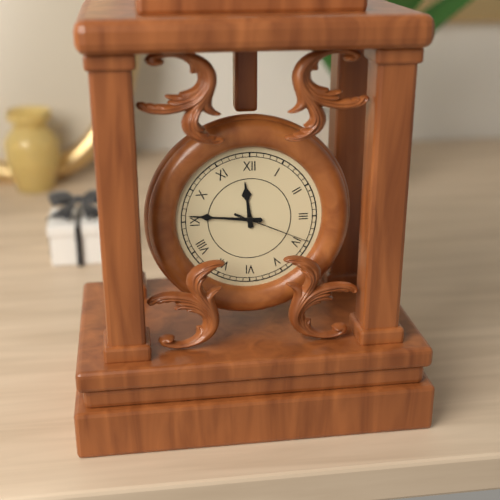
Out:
11 h 46 min 19 s
